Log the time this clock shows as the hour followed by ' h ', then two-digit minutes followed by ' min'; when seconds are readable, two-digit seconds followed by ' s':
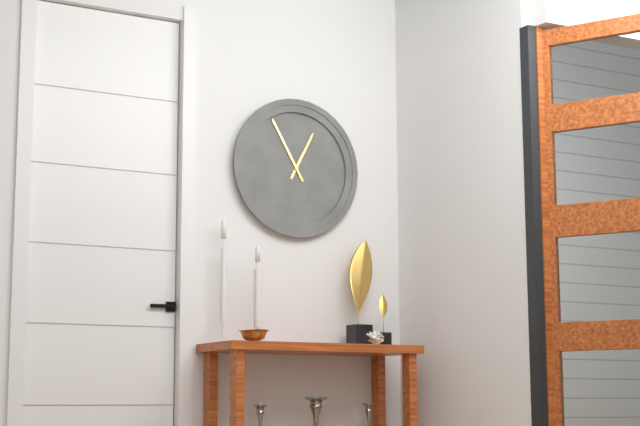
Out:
12 h 55 min
